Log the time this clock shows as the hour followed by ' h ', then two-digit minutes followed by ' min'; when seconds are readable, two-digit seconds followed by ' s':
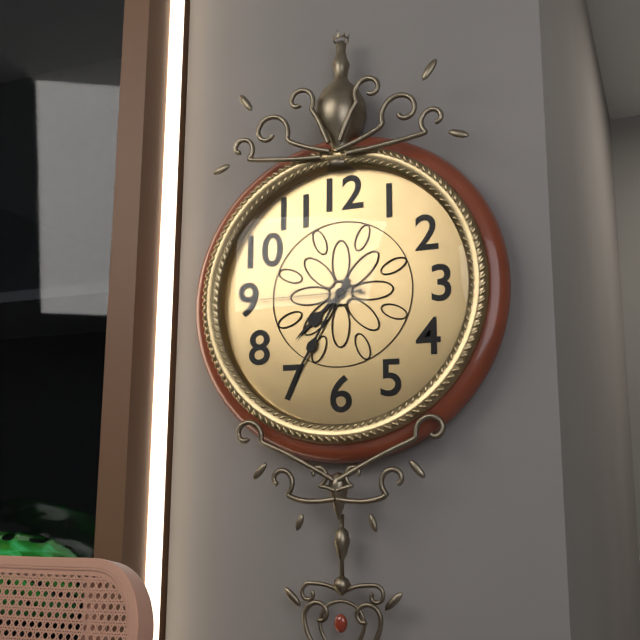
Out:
7 h 35 min 45 s
